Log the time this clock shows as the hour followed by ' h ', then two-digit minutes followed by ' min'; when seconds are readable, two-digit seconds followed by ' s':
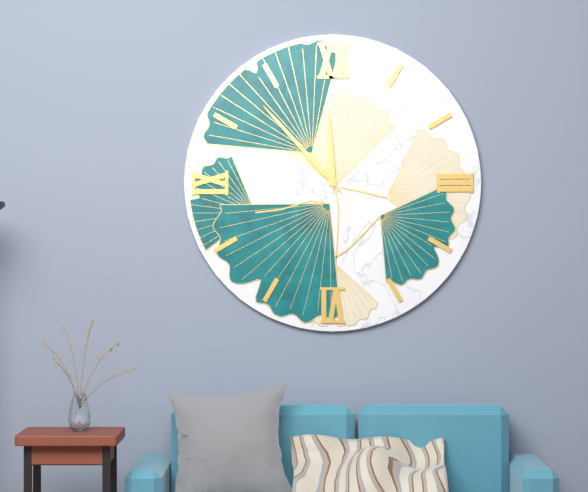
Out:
11 h 53 min
